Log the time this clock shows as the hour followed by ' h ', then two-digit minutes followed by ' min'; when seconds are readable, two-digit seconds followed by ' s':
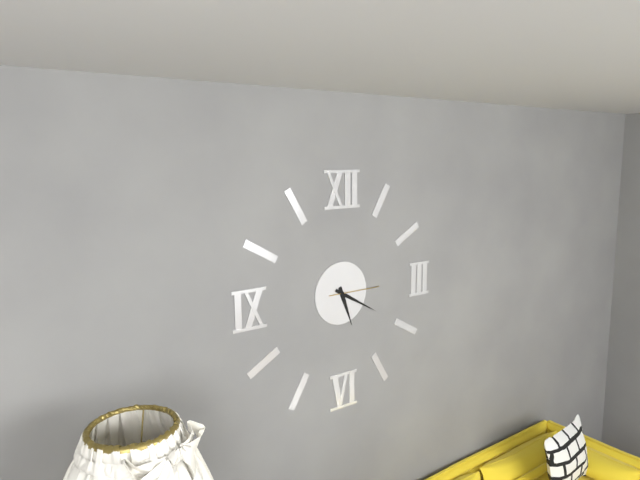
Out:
5 h 20 min
